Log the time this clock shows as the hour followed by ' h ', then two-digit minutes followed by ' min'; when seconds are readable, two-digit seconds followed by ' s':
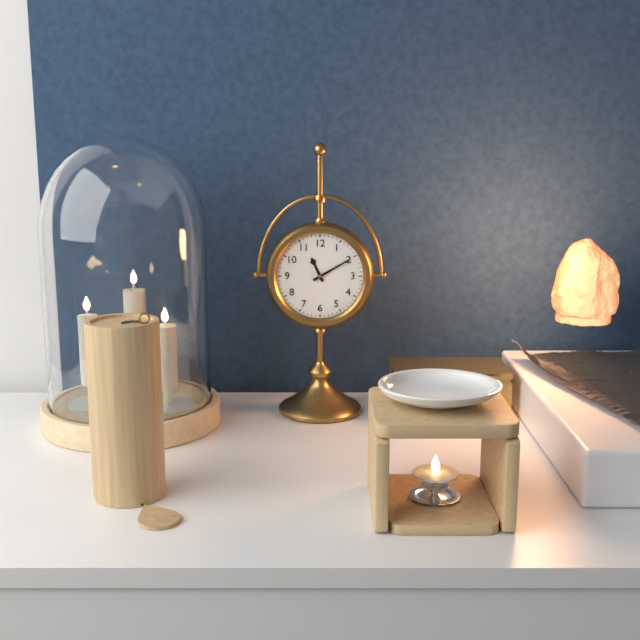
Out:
11 h 10 min
